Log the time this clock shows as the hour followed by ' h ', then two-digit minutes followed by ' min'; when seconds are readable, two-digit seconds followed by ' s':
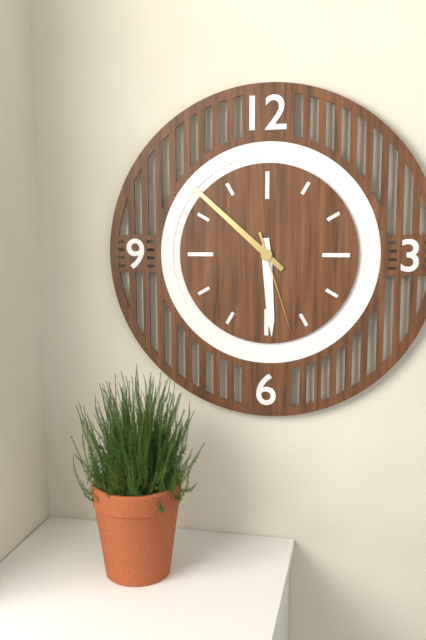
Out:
5 h 52 min 27 s
